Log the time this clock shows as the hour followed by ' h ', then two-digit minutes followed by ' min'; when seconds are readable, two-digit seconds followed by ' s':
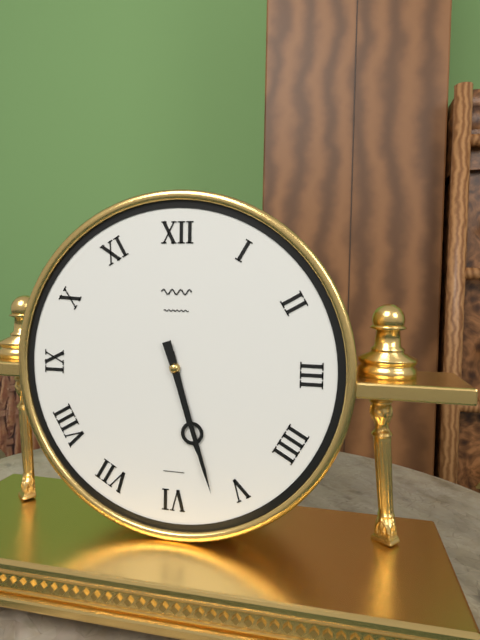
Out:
5 h 27 min
